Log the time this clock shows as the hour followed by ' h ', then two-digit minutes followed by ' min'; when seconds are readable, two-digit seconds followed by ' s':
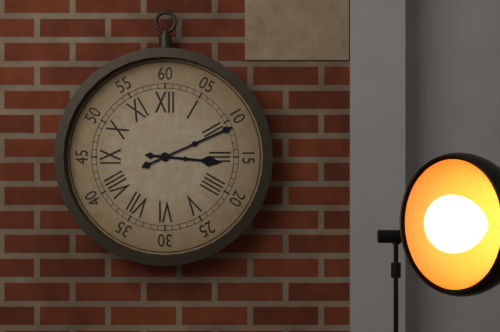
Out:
3 h 11 min
